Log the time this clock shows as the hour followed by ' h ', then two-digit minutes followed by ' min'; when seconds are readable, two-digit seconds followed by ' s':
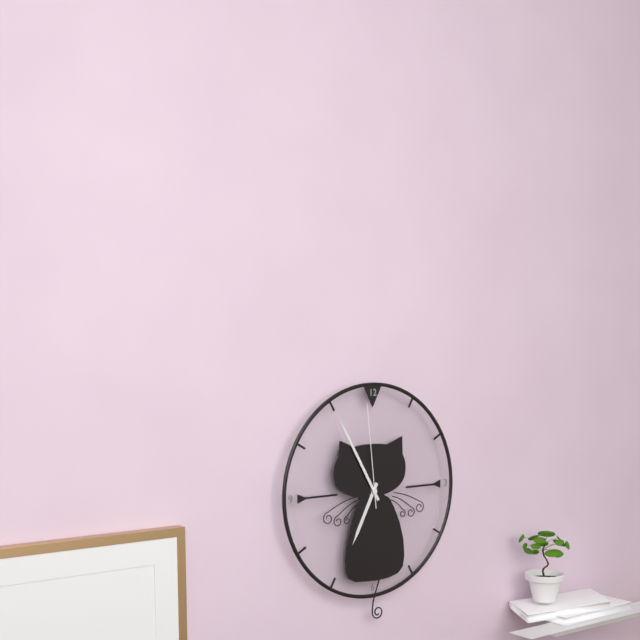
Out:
6 h 55 min 59 s
